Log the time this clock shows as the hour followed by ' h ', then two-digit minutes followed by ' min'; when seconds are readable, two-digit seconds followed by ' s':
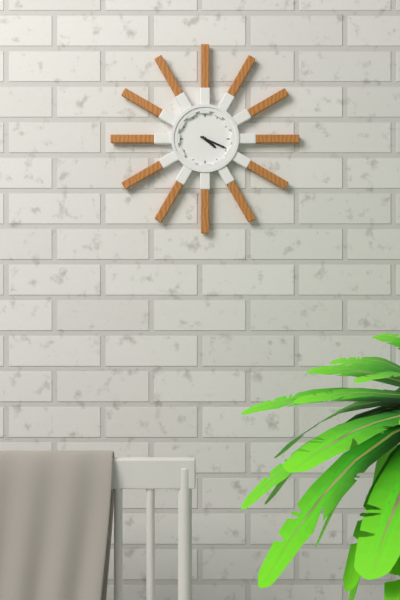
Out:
4 h 19 min
